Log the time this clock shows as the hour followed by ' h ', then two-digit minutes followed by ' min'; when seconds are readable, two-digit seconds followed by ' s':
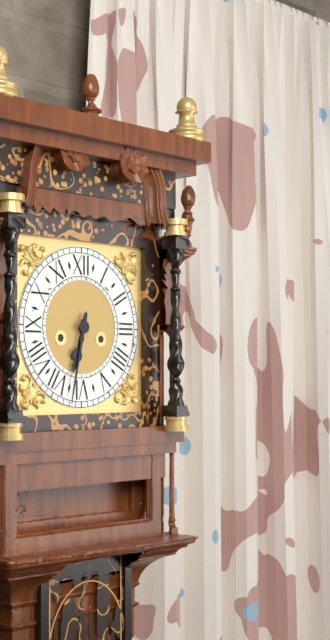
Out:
6 h 32 min
